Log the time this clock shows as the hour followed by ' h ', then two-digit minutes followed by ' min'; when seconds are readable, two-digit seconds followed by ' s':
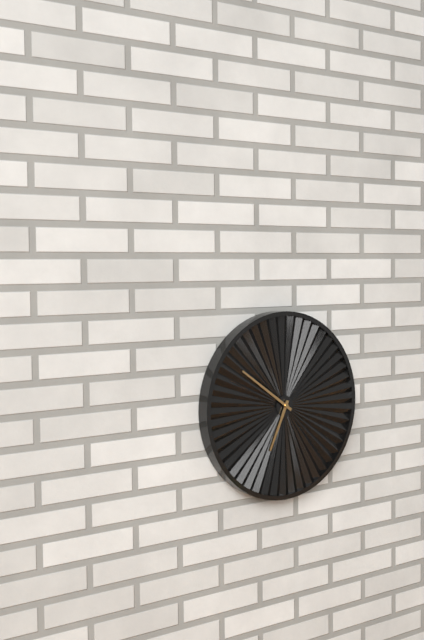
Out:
6 h 51 min
